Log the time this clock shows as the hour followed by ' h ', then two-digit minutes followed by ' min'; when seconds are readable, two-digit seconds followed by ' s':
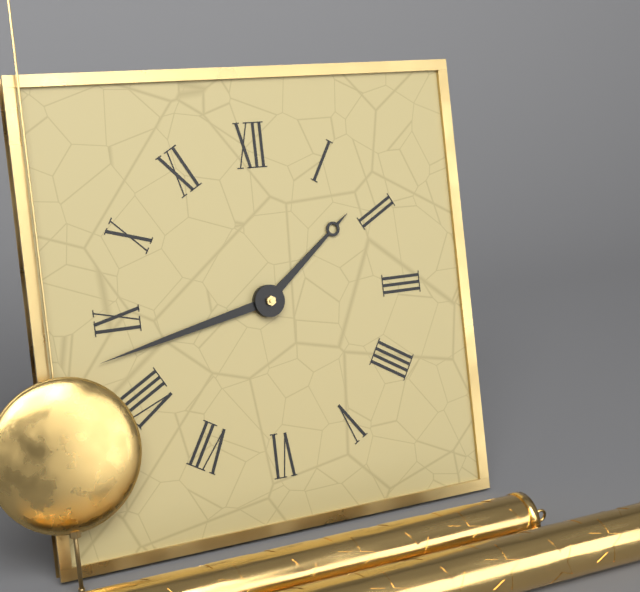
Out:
1 h 43 min
